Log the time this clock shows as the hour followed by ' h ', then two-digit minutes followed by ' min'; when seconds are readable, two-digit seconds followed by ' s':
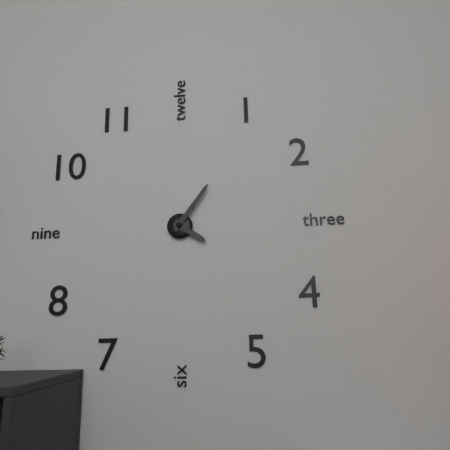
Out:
4 h 06 min
